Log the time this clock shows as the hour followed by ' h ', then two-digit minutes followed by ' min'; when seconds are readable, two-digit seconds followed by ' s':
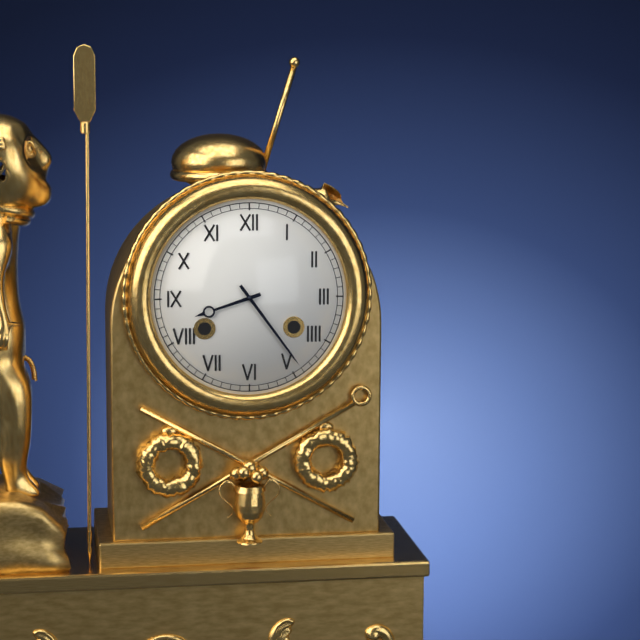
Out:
8 h 24 min
